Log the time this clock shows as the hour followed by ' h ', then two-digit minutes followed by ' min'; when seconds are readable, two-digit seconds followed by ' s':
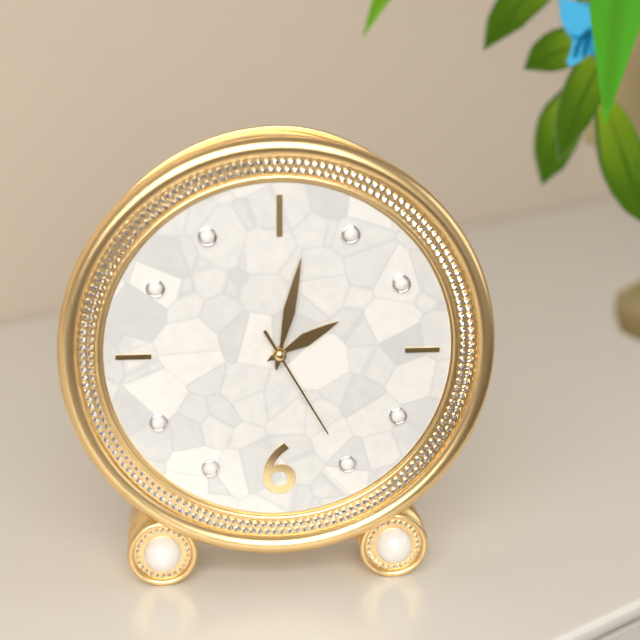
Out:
2 h 02 min 25 s
